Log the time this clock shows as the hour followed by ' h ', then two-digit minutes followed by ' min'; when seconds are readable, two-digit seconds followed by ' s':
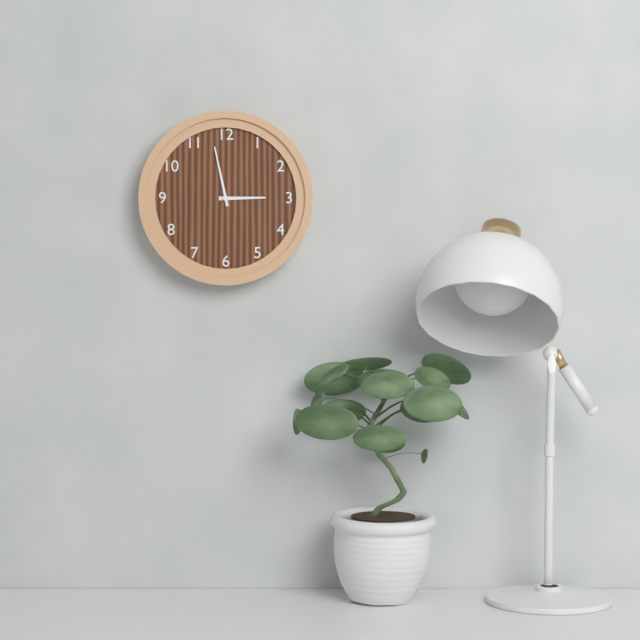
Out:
2 h 58 min
